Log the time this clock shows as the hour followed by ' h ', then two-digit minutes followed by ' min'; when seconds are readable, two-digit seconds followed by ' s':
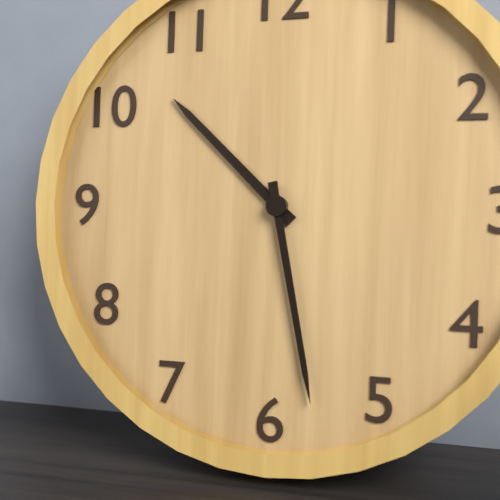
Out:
10 h 28 min
